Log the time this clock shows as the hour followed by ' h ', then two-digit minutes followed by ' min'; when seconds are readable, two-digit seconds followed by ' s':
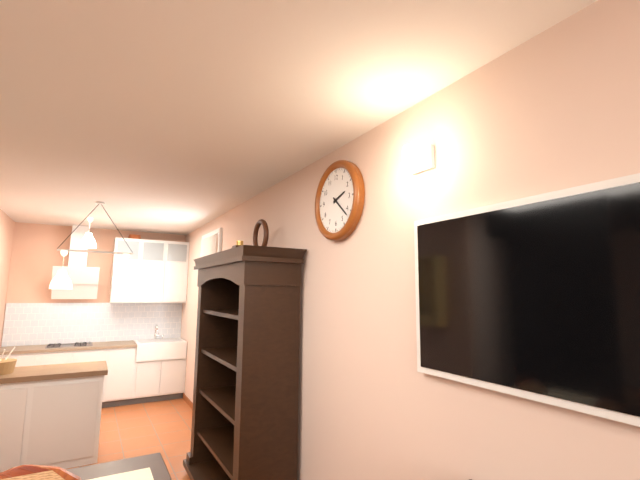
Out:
2 h 22 min
